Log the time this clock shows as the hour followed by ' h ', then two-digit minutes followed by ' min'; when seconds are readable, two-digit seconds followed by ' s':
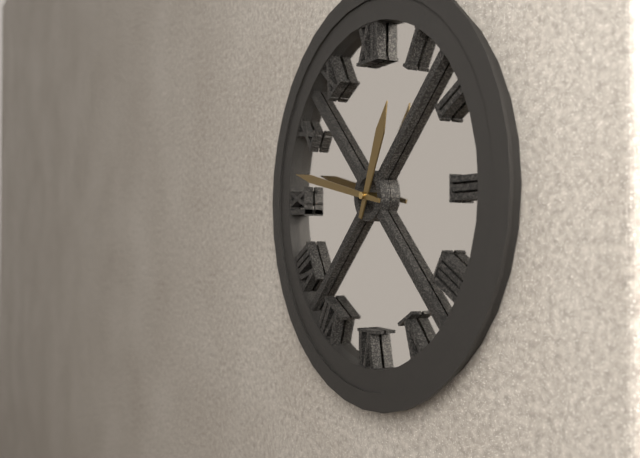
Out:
12 h 47 min
